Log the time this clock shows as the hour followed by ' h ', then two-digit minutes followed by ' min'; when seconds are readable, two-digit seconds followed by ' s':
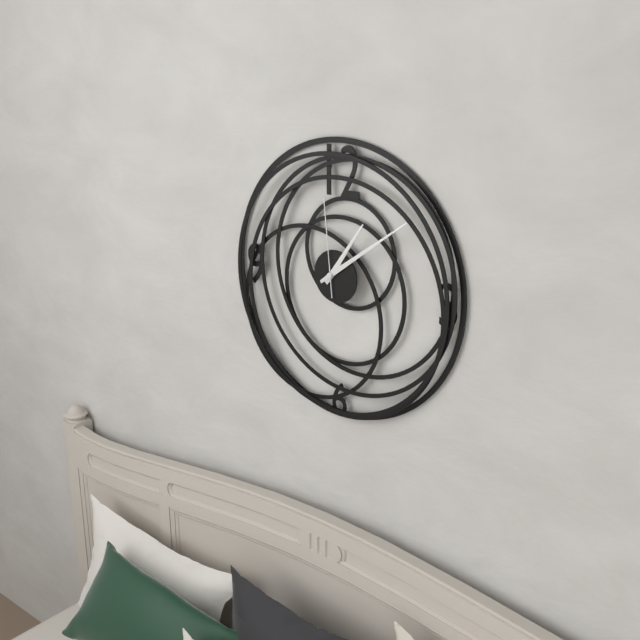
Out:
1 h 09 min 59 s
